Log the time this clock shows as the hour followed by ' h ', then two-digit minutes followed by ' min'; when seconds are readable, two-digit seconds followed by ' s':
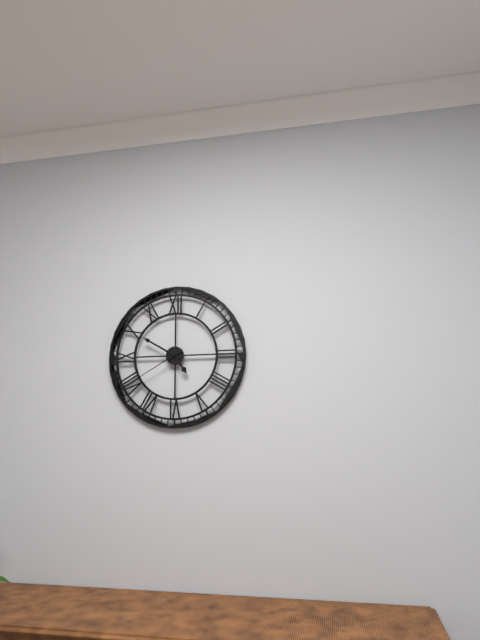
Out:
4 h 50 min 40 s
